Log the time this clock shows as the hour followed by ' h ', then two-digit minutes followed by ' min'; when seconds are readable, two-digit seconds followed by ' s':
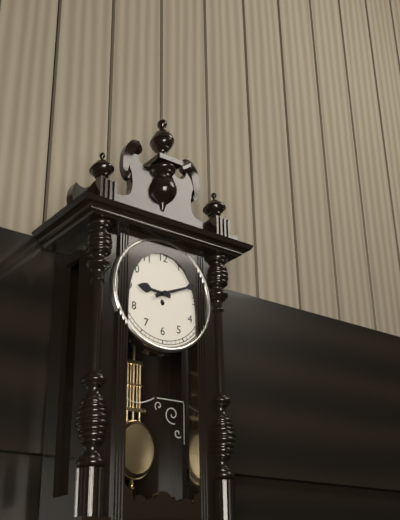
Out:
9 h 11 min
